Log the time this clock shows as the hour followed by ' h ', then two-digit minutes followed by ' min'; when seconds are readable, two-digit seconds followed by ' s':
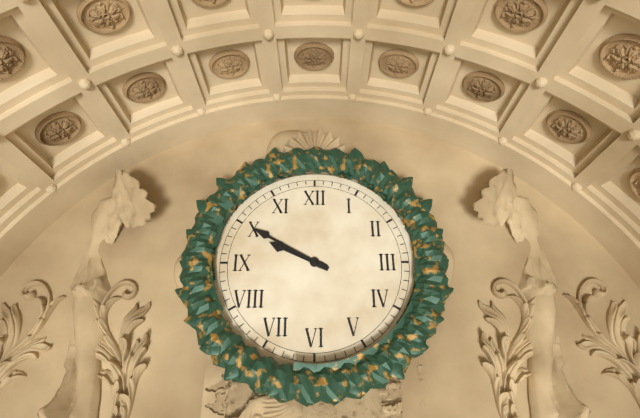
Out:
9 h 50 min
